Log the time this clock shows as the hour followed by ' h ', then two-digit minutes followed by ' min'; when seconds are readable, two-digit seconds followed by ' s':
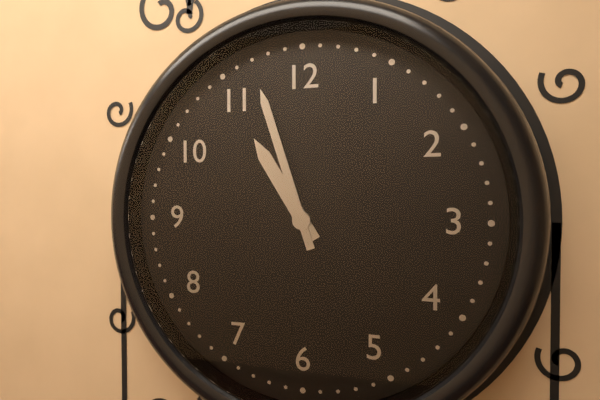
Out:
10 h 57 min
